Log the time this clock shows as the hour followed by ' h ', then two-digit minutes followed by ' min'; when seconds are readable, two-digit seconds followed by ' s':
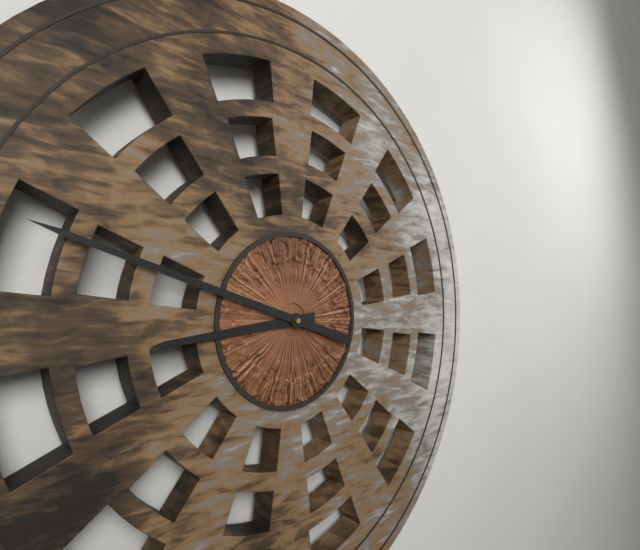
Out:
8 h 48 min
